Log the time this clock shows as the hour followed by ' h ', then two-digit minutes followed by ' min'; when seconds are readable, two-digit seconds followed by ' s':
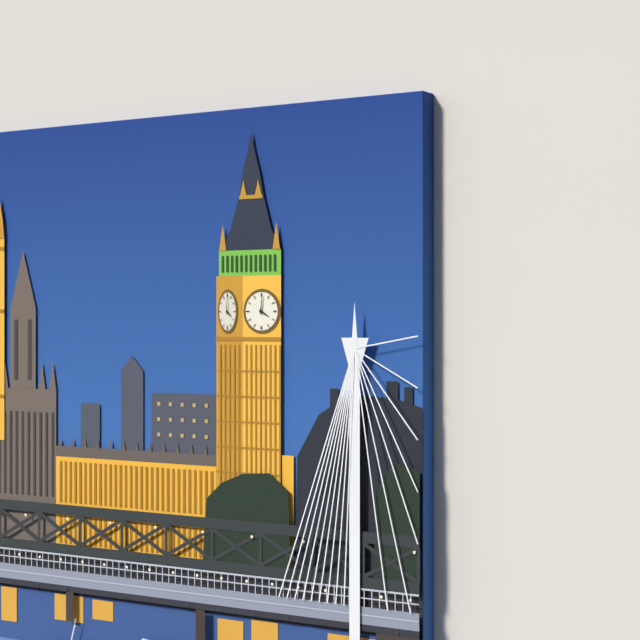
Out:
4 h 01 min
